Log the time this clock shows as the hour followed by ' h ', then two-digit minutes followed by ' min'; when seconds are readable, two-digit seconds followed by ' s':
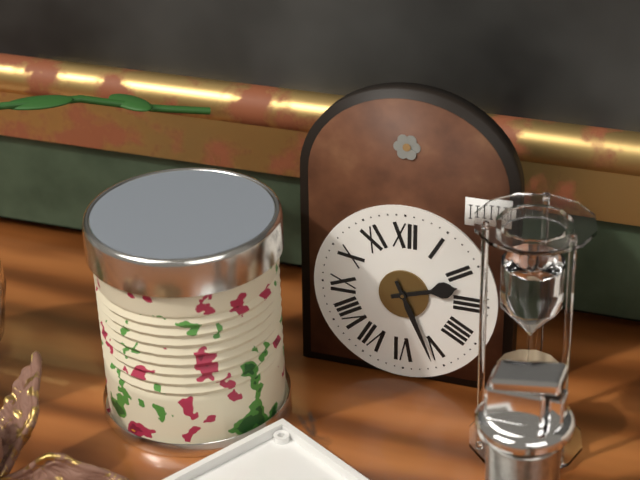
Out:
2 h 26 min
